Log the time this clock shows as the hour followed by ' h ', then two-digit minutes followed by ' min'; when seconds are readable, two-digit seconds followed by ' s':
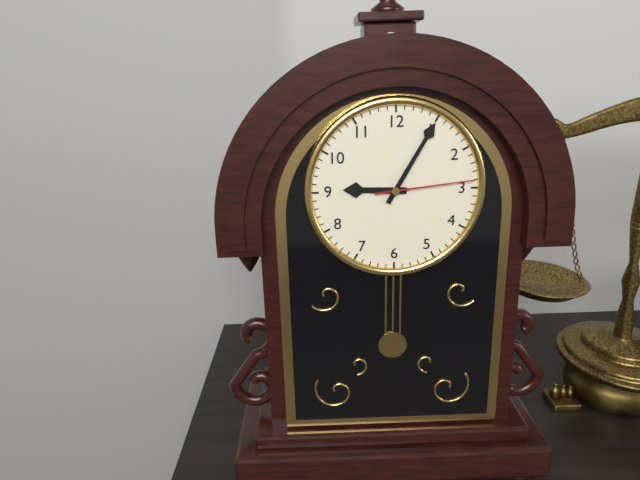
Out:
9 h 05 min 14 s
